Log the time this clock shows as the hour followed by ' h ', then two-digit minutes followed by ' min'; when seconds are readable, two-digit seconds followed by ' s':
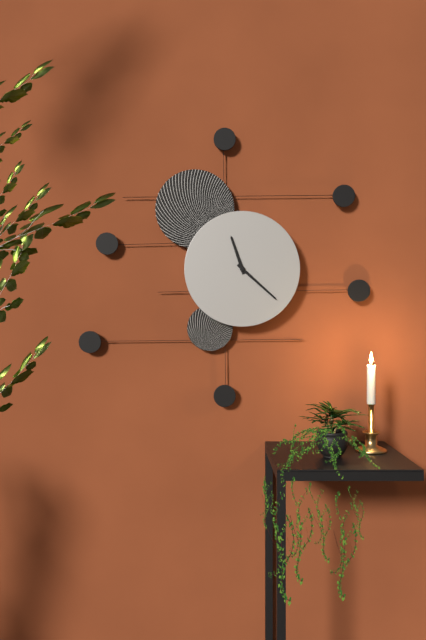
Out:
11 h 22 min
